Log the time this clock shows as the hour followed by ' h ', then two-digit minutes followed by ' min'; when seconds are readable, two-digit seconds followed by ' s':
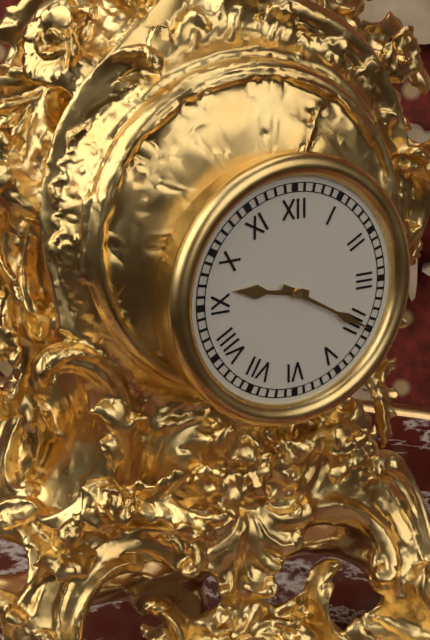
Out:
9 h 20 min
